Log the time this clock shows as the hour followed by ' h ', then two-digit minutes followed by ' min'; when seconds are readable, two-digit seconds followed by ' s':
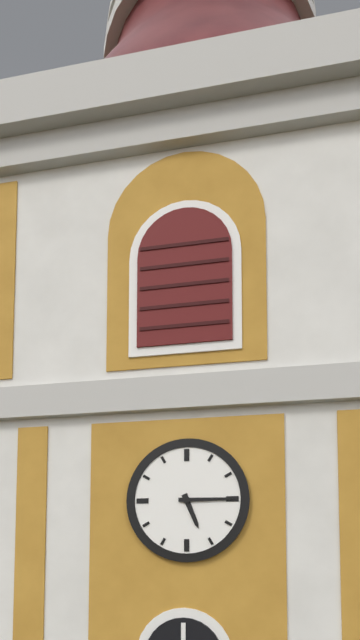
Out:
5 h 15 min
